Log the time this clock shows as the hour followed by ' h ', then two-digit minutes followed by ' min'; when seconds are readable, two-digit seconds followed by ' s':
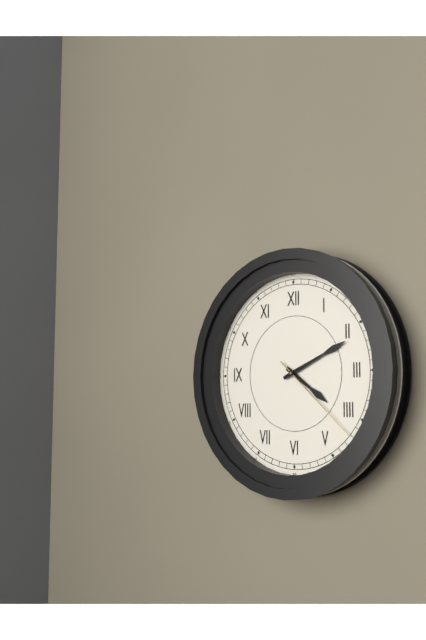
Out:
4 h 11 min 22 s
